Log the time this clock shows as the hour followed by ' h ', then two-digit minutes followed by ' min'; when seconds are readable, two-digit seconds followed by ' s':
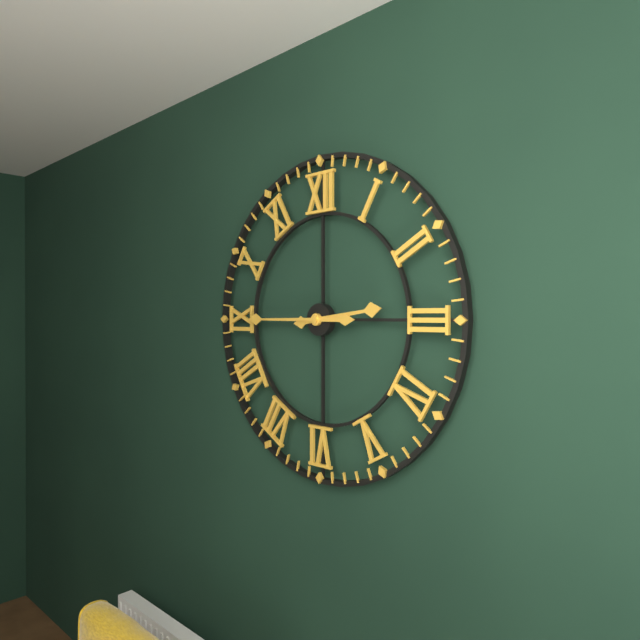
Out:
2 h 45 min
